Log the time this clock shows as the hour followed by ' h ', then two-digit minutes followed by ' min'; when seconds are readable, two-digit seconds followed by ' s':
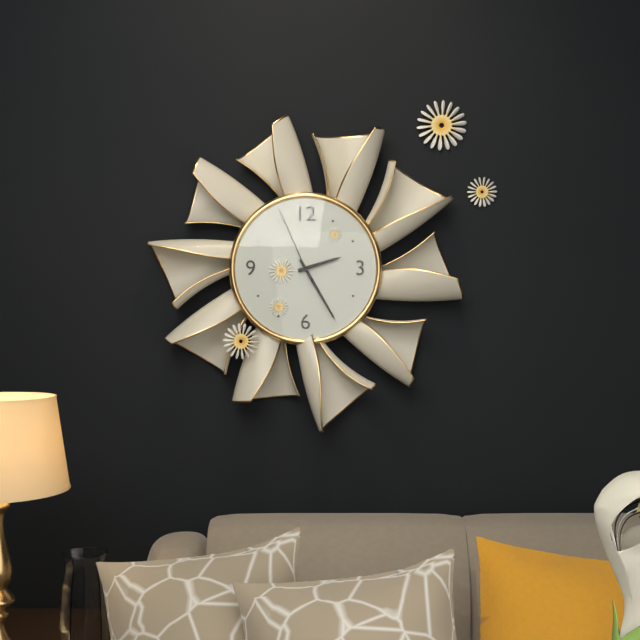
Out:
2 h 25 min 56 s
